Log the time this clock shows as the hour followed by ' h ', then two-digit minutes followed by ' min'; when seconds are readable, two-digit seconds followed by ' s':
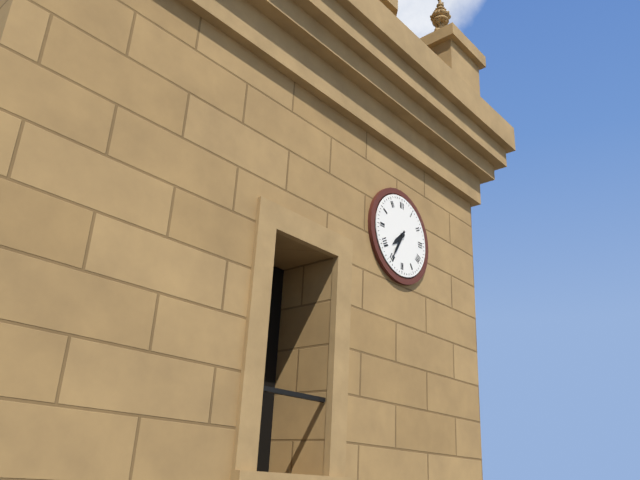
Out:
7 h 35 min
